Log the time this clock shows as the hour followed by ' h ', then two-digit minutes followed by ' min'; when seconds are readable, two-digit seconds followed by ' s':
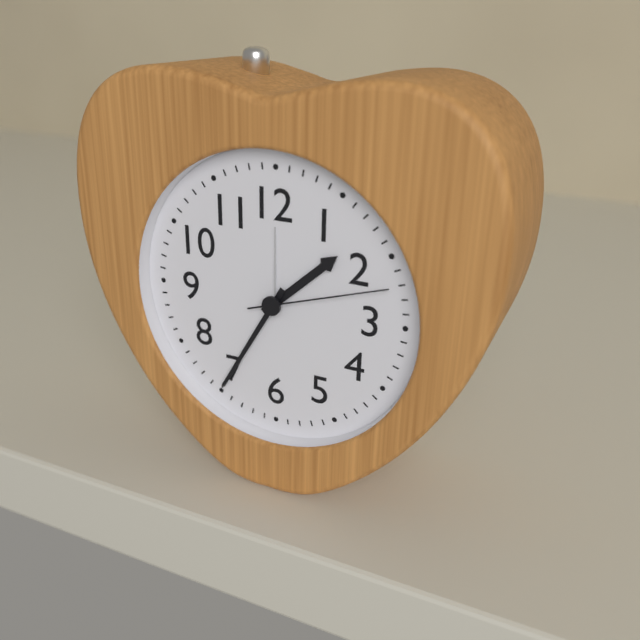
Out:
1 h 35 min 12 s
